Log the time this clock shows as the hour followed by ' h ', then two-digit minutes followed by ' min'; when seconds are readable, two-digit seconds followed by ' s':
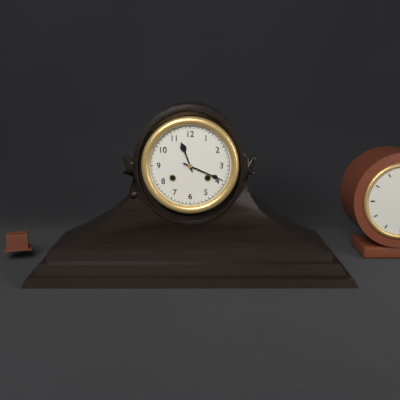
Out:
11 h 19 min
